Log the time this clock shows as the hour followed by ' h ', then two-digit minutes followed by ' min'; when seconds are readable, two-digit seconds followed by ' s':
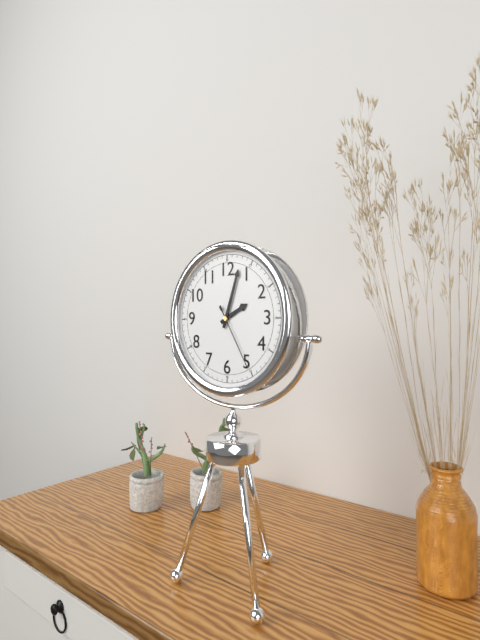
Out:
2 h 03 min 25 s
